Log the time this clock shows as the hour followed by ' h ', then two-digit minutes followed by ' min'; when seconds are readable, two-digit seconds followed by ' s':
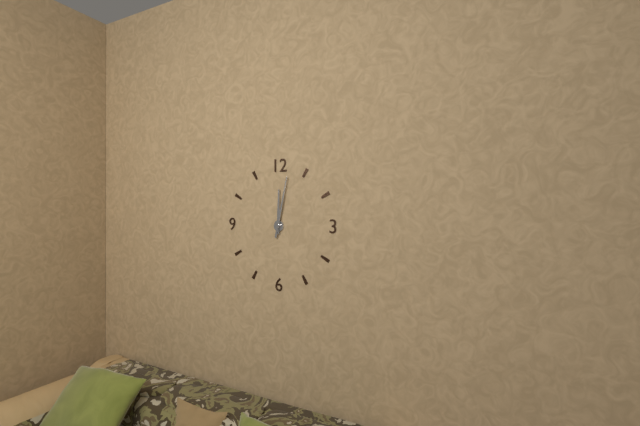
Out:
12 h 02 min
